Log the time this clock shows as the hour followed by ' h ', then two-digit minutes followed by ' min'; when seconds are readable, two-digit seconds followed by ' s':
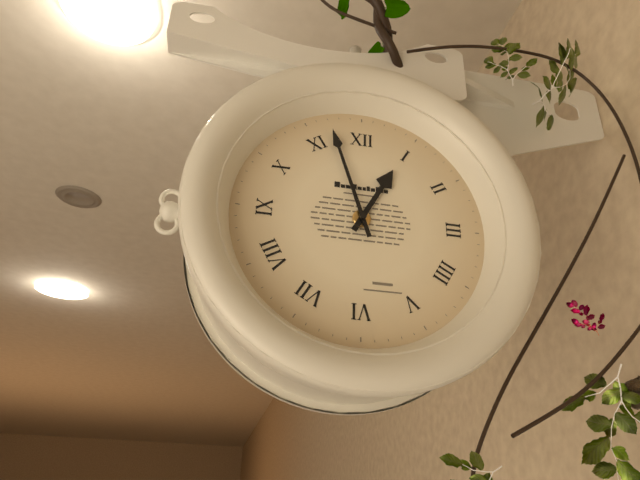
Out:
12 h 57 min
